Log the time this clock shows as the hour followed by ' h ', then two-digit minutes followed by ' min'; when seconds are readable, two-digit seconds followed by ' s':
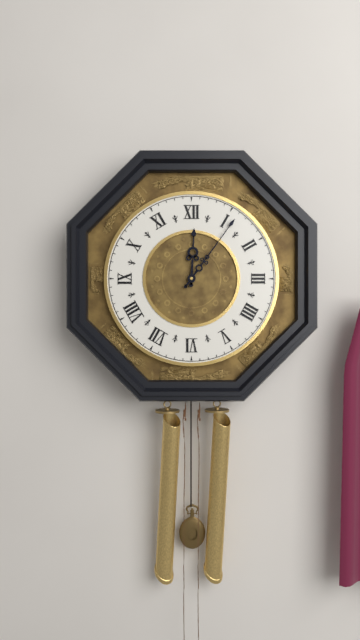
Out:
12 h 06 min
